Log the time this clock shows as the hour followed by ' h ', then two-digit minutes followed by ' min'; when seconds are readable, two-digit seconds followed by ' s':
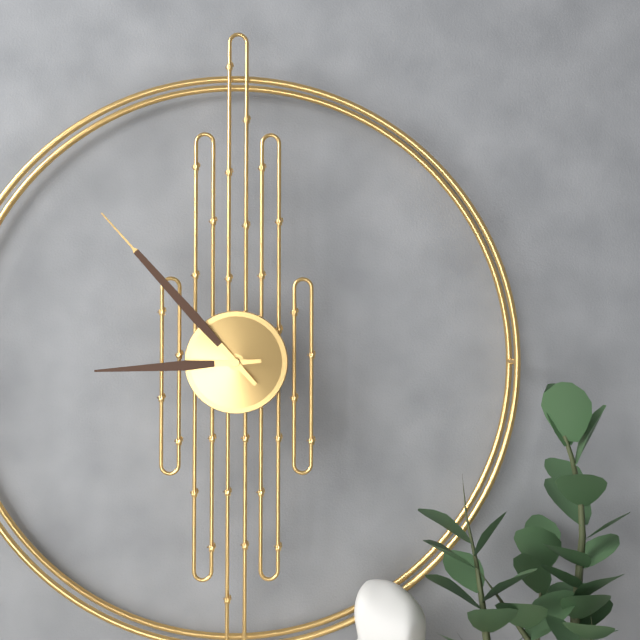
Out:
8 h 53 min
